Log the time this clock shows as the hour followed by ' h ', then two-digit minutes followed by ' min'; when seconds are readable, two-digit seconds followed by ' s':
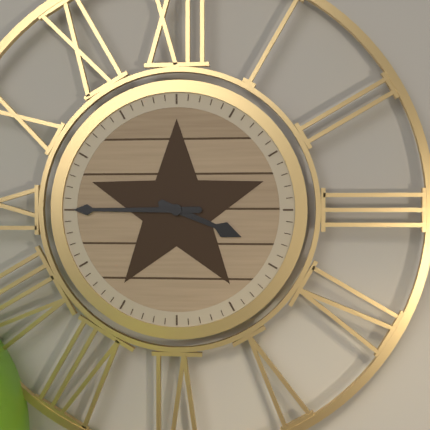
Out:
3 h 45 min
